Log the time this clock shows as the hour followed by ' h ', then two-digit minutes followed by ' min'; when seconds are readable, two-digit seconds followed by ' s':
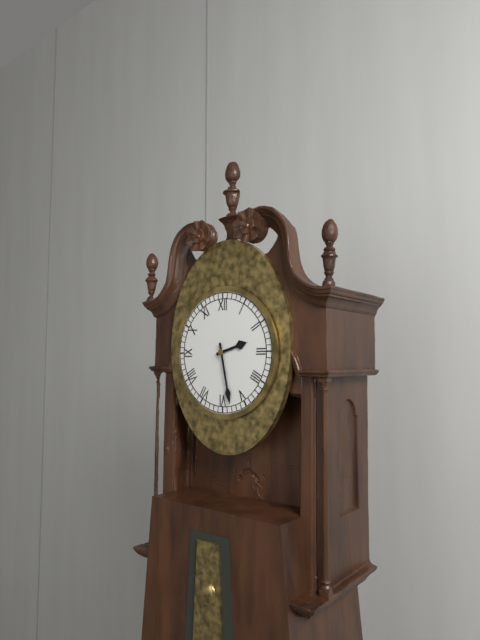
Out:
2 h 28 min
